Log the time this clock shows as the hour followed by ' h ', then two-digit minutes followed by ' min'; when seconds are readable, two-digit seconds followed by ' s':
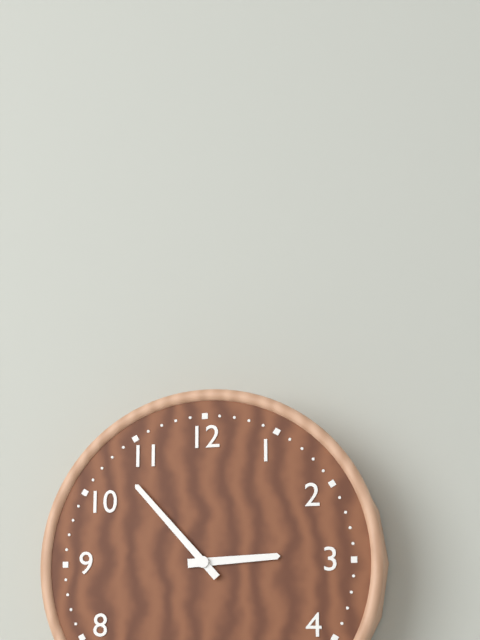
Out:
2 h 53 min
